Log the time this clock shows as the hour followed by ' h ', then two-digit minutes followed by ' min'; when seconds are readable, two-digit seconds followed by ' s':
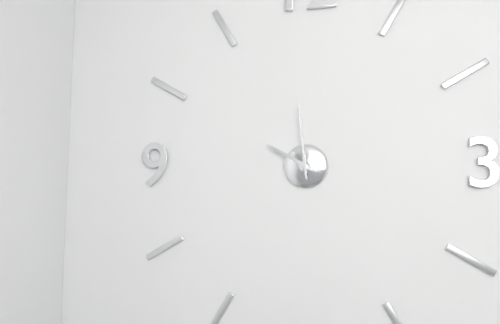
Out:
9 h 59 min
